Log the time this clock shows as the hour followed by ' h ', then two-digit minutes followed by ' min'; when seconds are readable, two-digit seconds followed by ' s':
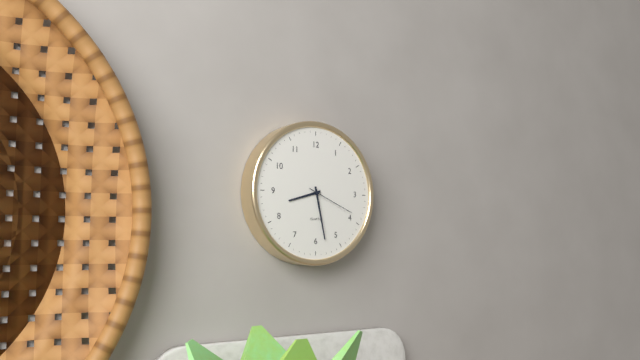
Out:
8 h 28 min 19 s
